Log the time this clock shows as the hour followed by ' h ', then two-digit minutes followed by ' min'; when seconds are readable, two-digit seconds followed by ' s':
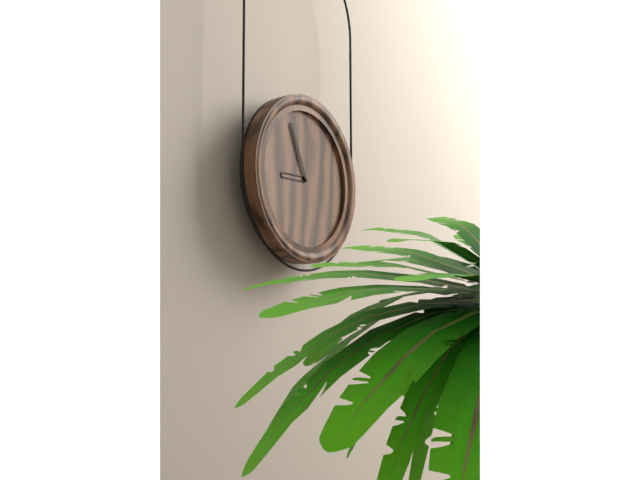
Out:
8 h 56 min
